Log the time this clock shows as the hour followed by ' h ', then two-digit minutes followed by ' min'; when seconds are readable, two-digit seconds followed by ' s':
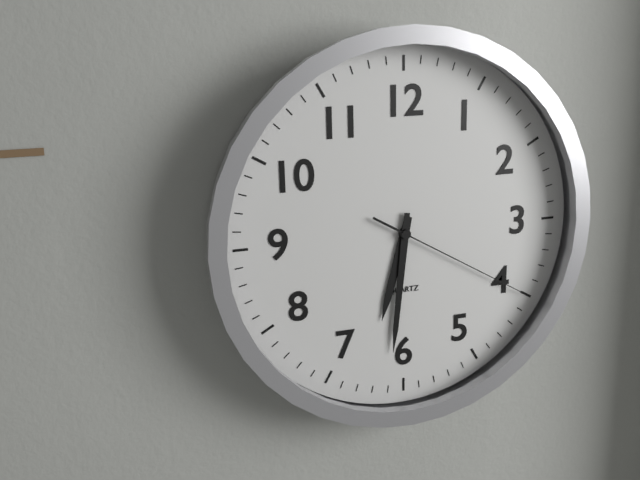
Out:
6 h 31 min 20 s
